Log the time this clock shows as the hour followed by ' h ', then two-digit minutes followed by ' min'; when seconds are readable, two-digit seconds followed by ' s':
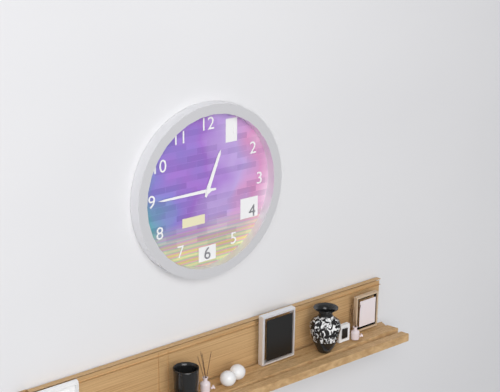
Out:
12 h 45 min
